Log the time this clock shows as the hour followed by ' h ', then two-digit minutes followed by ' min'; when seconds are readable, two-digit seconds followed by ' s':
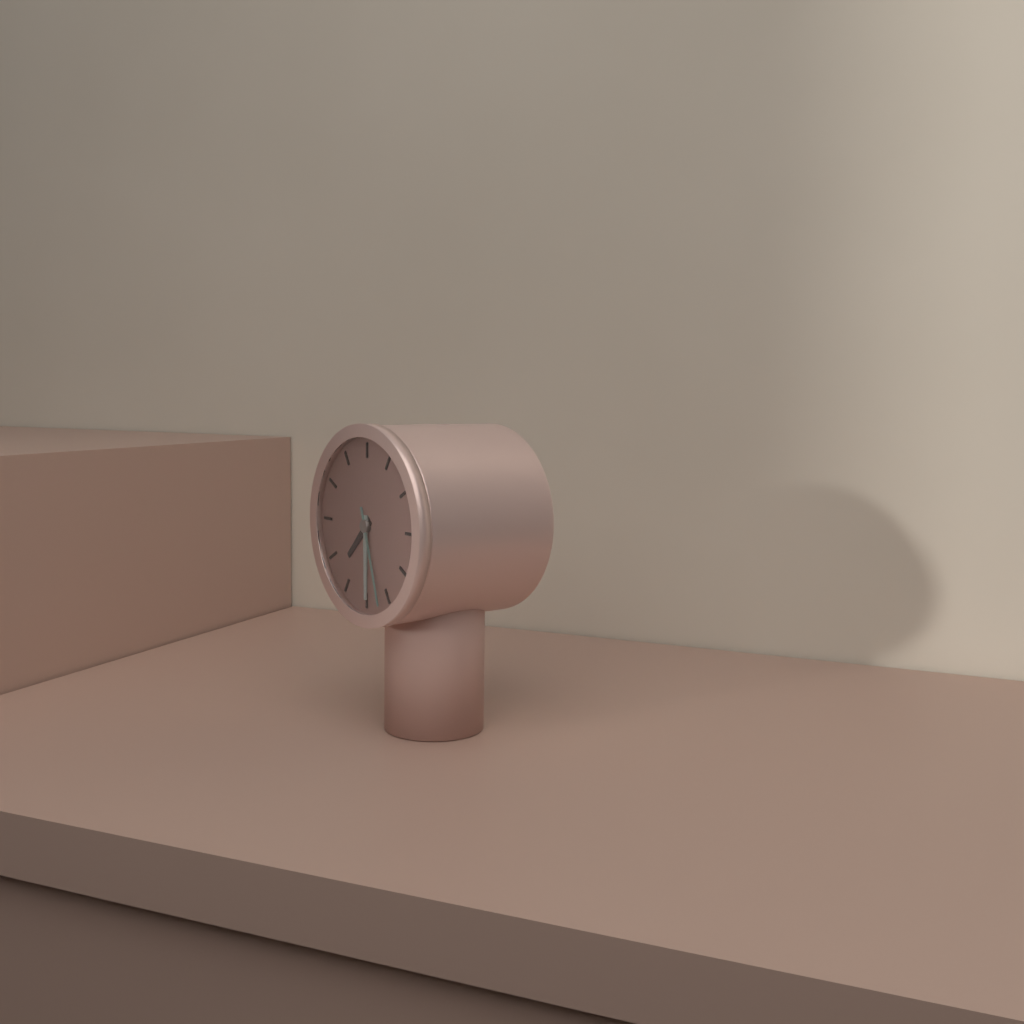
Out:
7 h 30 min 27 s
